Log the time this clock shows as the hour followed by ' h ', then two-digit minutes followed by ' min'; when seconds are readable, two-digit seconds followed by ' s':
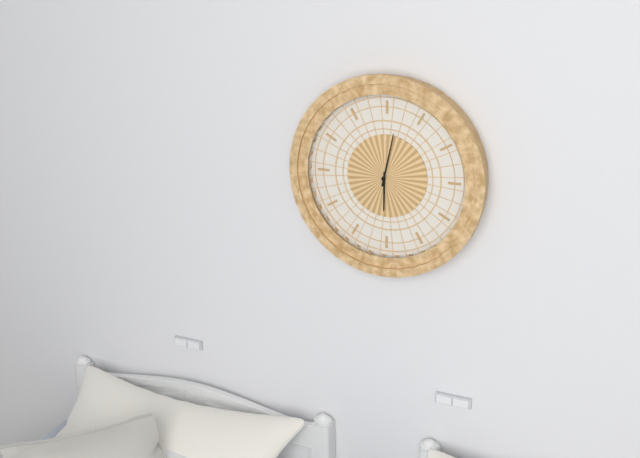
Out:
6 h 02 min
